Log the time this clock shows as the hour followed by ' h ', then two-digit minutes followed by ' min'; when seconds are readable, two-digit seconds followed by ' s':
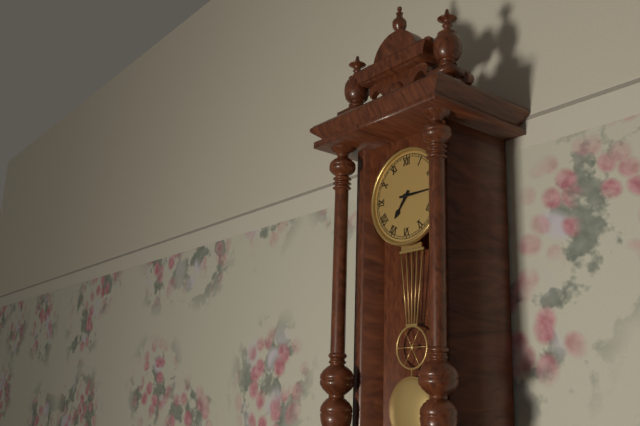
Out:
7 h 15 min
